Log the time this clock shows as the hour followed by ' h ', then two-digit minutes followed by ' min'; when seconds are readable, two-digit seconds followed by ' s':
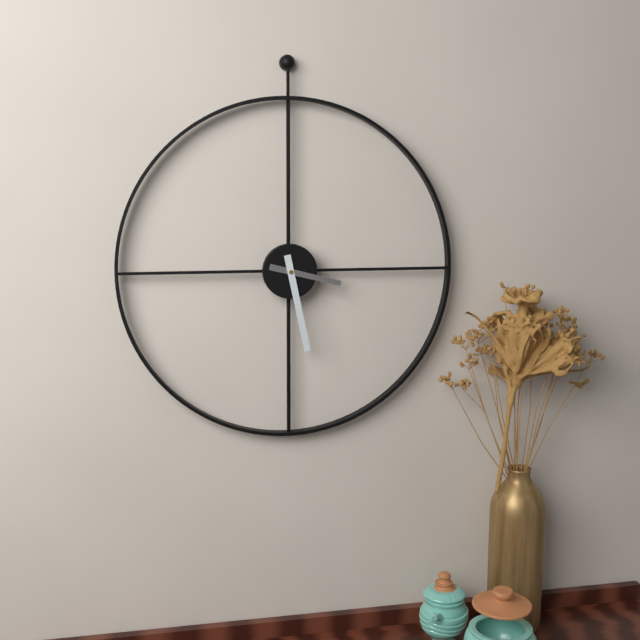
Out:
3 h 28 min
